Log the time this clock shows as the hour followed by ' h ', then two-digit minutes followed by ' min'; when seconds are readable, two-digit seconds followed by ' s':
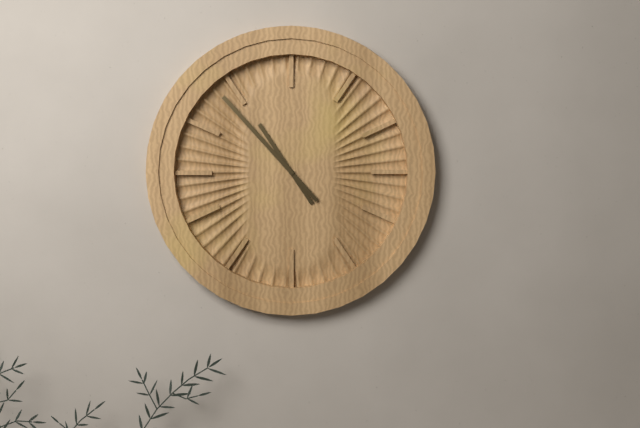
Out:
10 h 53 min
